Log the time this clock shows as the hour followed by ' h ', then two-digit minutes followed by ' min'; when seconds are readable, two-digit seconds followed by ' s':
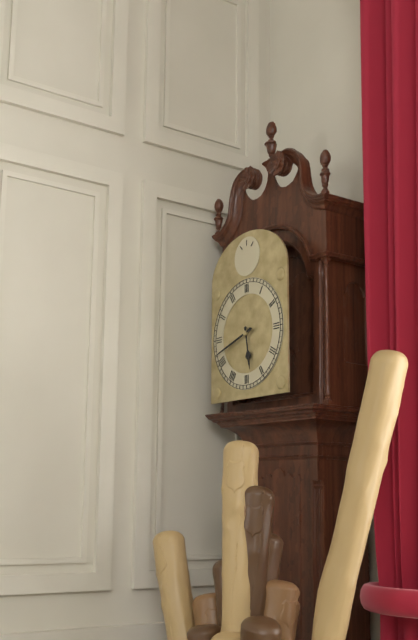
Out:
5 h 42 min
